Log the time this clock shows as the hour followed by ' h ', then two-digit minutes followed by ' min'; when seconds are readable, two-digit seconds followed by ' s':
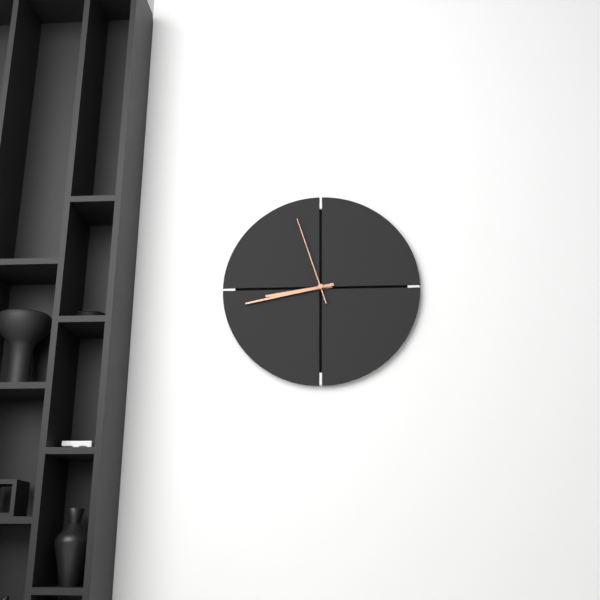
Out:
8 h 43 min 57 s
